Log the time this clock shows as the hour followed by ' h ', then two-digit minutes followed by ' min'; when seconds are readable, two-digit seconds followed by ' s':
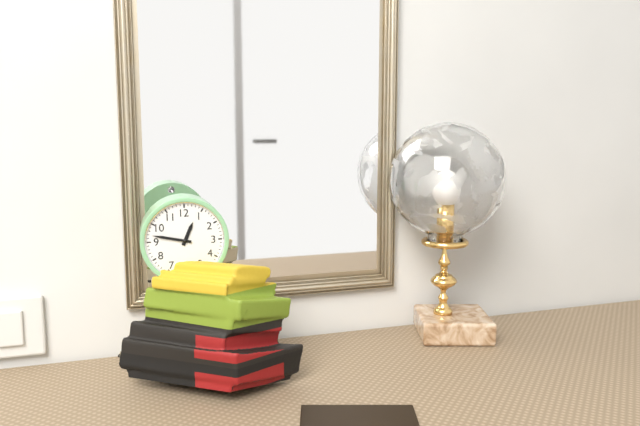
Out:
12 h 47 min
